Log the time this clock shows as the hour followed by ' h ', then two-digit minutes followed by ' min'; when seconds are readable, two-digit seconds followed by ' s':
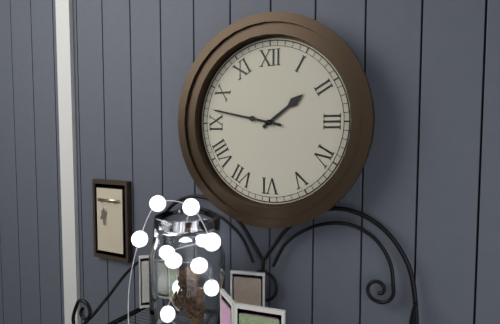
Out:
1 h 47 min
